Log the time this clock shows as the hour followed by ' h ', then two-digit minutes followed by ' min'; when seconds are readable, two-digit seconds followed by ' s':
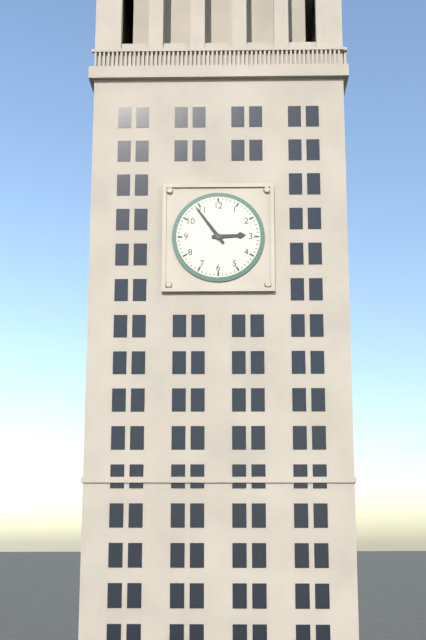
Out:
2 h 54 min
